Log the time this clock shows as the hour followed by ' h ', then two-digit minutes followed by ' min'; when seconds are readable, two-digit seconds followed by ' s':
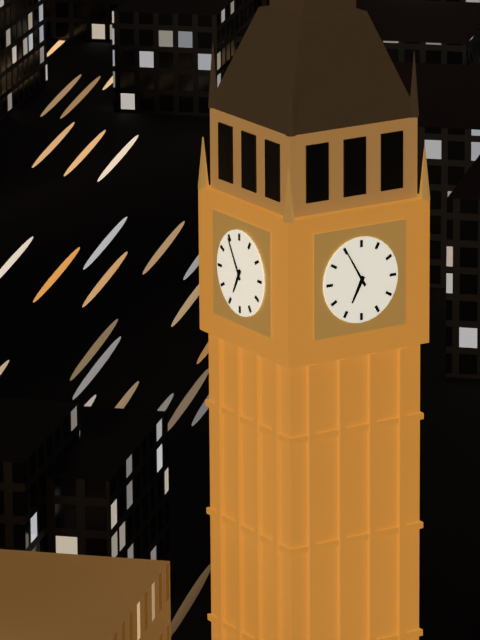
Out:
6 h 55 min
